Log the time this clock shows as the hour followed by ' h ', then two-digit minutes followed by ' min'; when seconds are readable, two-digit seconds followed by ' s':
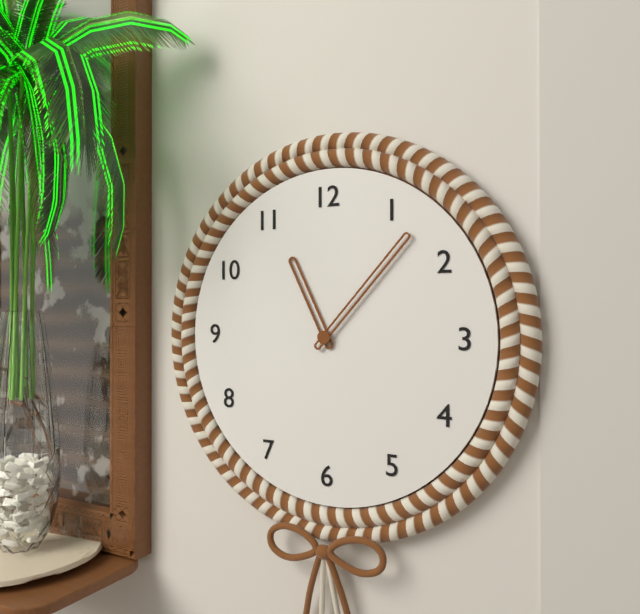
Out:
11 h 07 min
